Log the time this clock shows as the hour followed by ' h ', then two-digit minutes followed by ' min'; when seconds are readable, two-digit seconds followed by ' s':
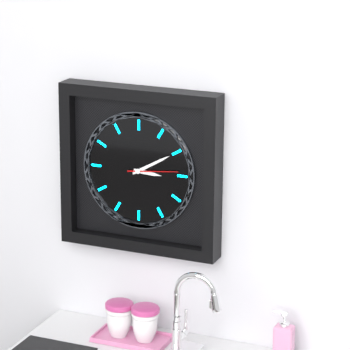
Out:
3 h 10 min 14 s
